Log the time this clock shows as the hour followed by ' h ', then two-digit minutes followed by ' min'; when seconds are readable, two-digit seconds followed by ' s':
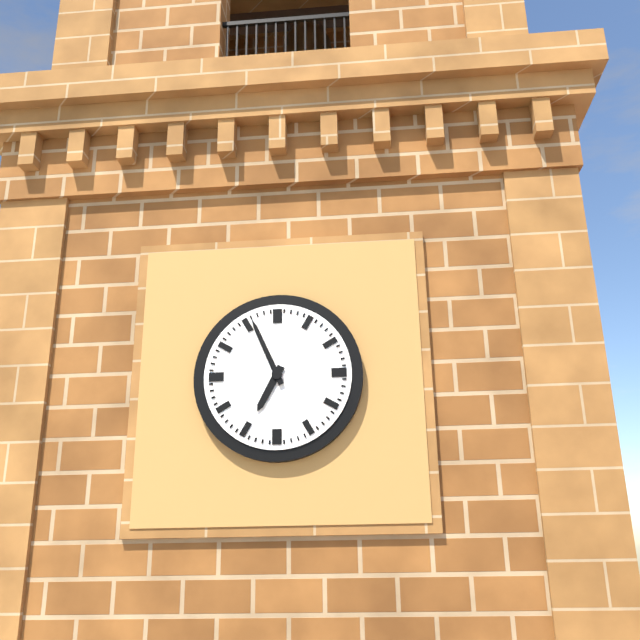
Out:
6 h 56 min
